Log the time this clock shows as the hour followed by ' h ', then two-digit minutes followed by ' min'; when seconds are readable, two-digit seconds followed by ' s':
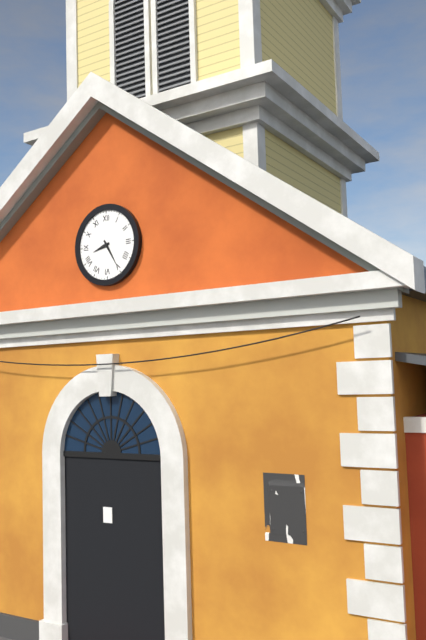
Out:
8 h 25 min
